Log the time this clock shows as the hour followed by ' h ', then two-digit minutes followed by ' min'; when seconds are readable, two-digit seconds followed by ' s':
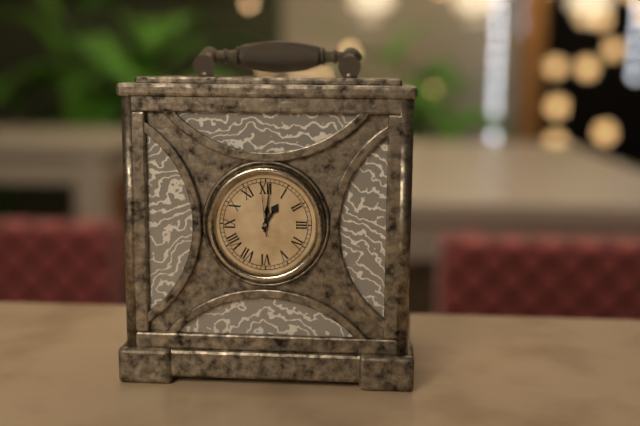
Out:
1 h 01 min 59 s
